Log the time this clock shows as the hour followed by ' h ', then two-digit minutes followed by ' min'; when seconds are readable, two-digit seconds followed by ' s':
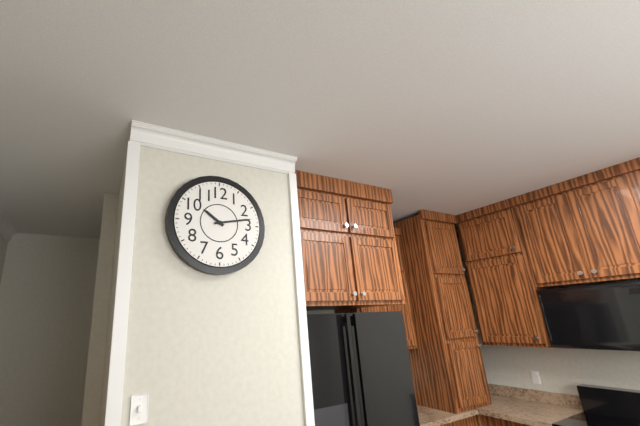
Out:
10 h 13 min
